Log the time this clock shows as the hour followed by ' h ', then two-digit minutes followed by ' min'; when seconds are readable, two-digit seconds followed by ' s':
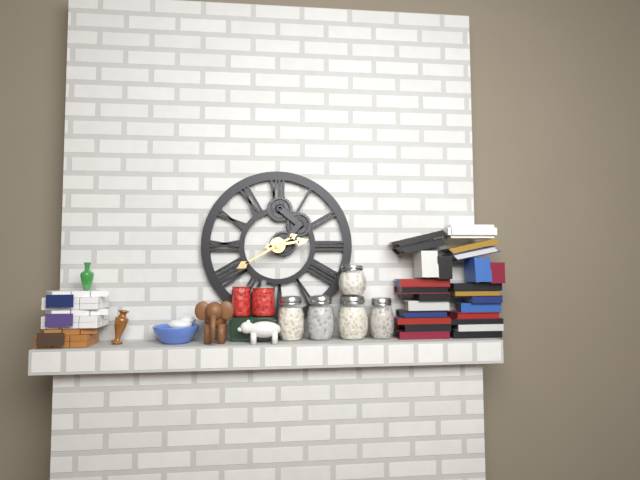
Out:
2 h 40 min
